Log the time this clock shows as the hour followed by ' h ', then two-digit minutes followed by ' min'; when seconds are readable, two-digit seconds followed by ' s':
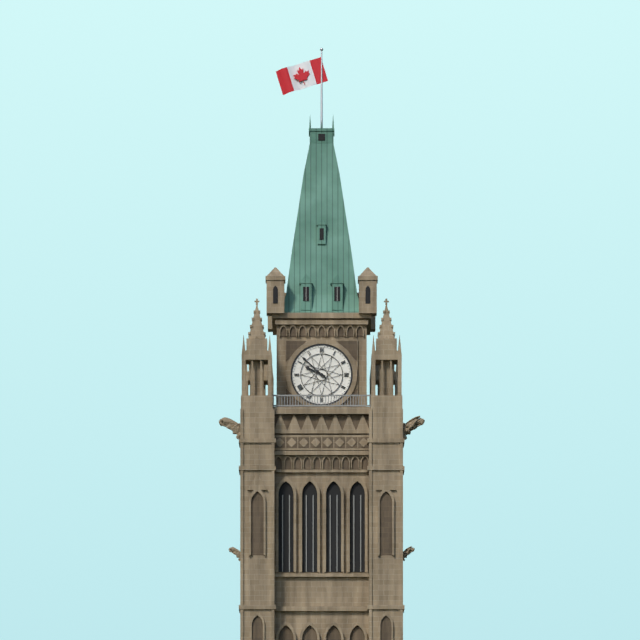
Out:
9 h 52 min
